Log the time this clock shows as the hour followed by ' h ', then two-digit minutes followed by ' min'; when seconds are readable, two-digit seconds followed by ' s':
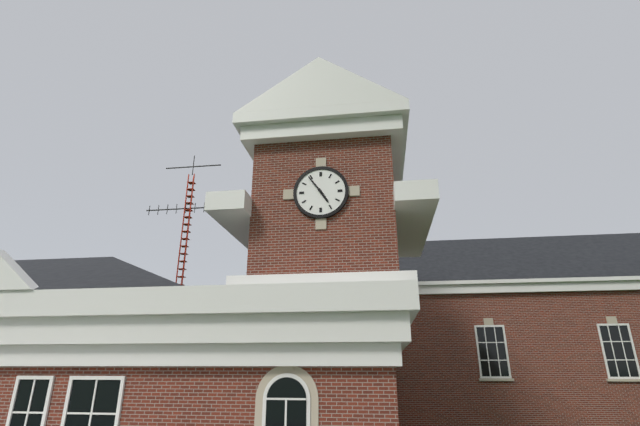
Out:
4 h 54 min
